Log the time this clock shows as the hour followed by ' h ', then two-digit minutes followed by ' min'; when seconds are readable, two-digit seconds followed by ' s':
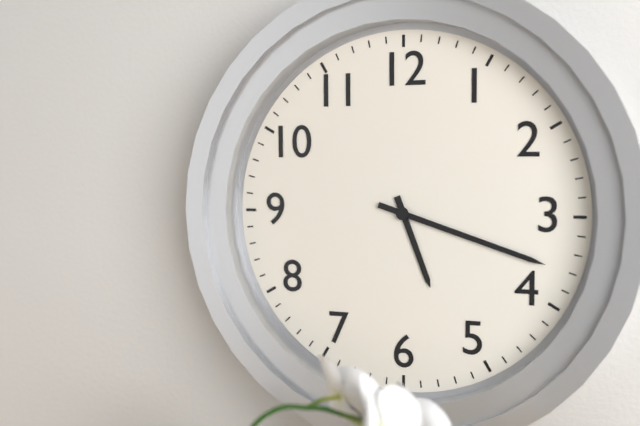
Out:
5 h 18 min
